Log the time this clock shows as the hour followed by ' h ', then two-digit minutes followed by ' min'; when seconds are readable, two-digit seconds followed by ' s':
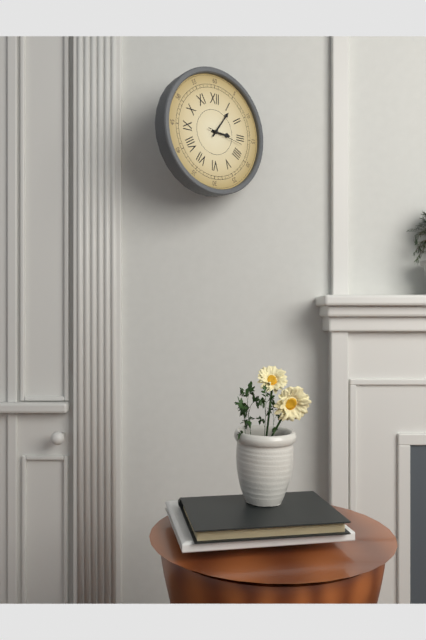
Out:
3 h 06 min
